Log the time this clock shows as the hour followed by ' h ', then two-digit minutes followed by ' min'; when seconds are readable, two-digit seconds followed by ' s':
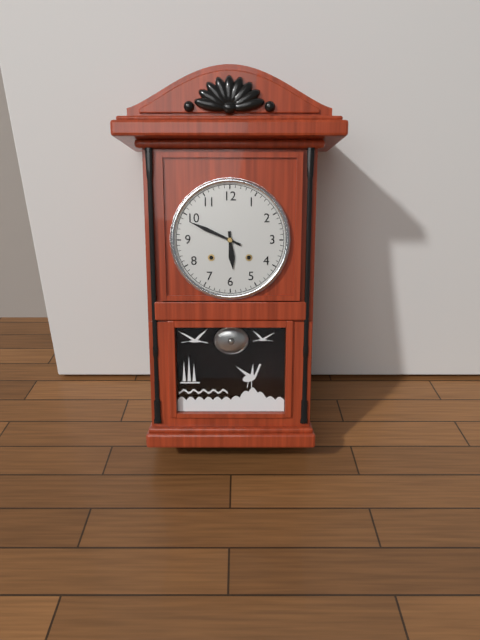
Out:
5 h 49 min
